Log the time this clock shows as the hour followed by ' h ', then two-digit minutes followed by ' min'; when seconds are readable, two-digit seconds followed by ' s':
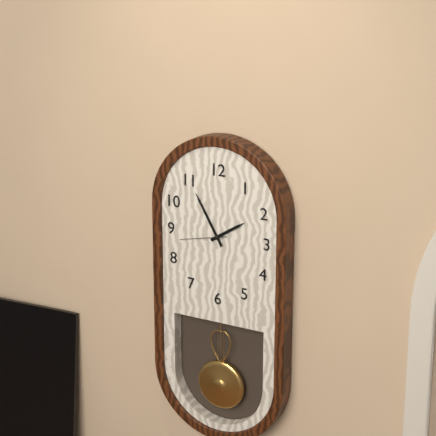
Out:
1 h 55 min
